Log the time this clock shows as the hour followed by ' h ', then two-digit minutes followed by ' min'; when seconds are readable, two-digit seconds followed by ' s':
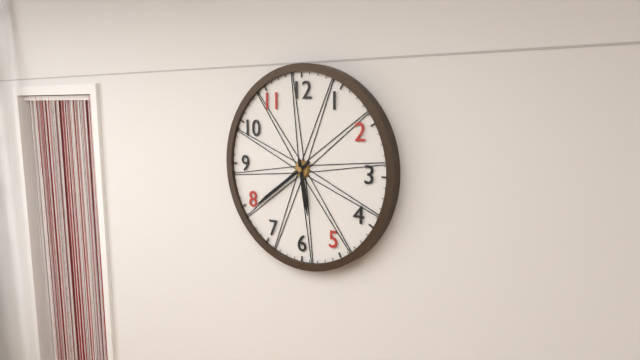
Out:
5 h 39 min
